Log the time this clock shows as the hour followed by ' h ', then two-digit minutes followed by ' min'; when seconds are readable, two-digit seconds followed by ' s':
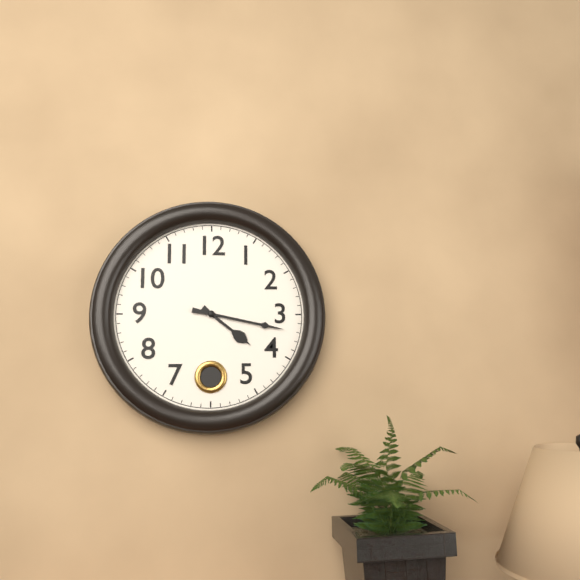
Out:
4 h 17 min
